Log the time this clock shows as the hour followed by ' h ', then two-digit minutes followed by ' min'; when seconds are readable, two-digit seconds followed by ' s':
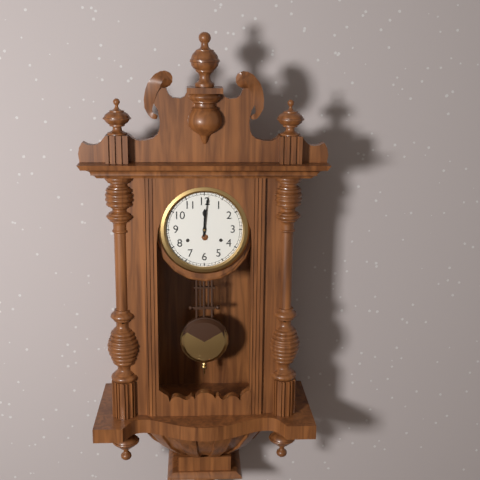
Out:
12 h 01 min
